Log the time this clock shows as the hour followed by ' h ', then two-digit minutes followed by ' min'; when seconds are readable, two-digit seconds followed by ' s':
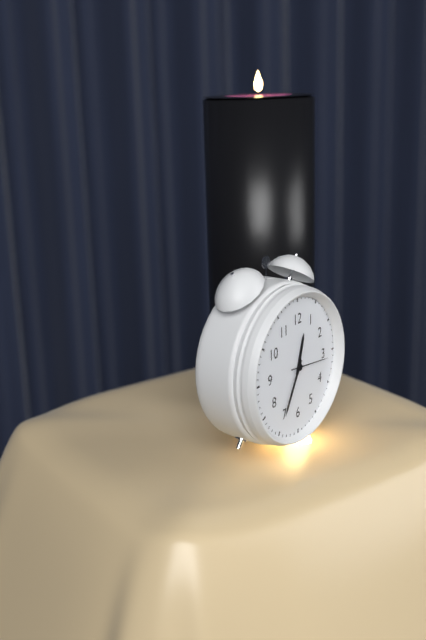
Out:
12 h 35 min
